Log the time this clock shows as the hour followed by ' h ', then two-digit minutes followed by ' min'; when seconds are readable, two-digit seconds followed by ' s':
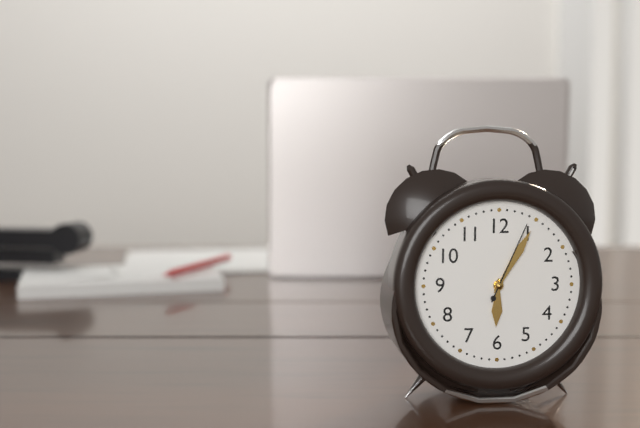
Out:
6 h 05 min 04 s
